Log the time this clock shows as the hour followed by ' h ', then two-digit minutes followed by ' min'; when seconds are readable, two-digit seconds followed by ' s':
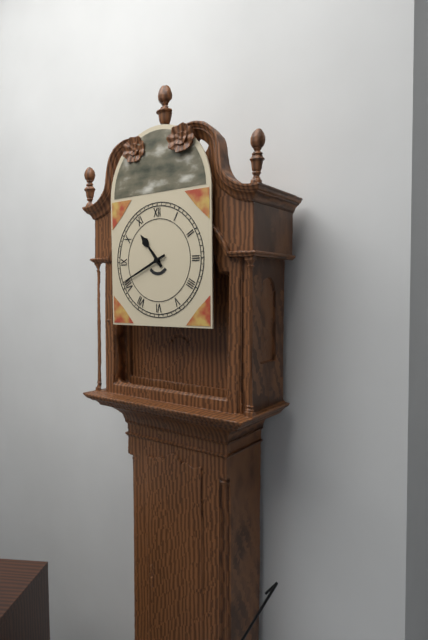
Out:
10 h 41 min
